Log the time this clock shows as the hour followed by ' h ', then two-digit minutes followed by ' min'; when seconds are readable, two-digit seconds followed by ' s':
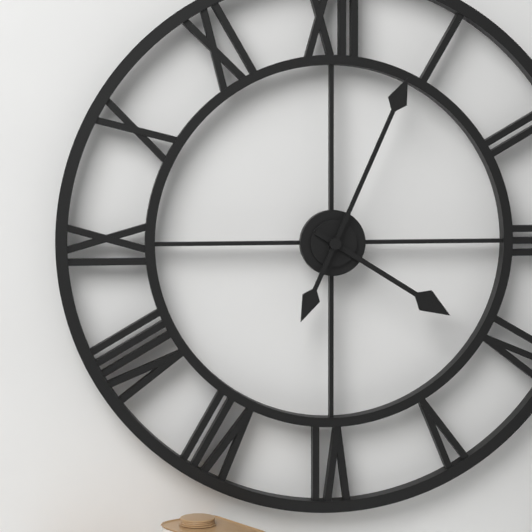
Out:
4 h 04 min
